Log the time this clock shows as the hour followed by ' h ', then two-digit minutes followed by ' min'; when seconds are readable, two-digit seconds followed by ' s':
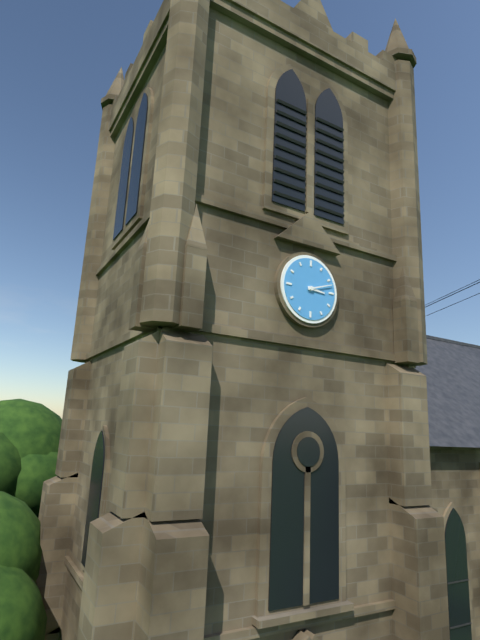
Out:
3 h 12 min
